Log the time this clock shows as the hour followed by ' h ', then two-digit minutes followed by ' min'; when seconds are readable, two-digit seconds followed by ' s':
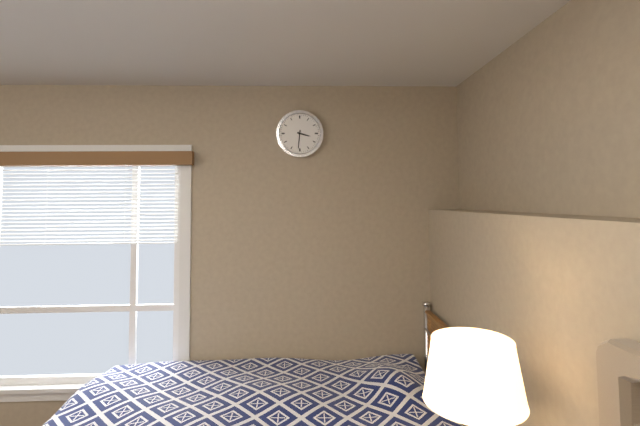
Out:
3 h 31 min
